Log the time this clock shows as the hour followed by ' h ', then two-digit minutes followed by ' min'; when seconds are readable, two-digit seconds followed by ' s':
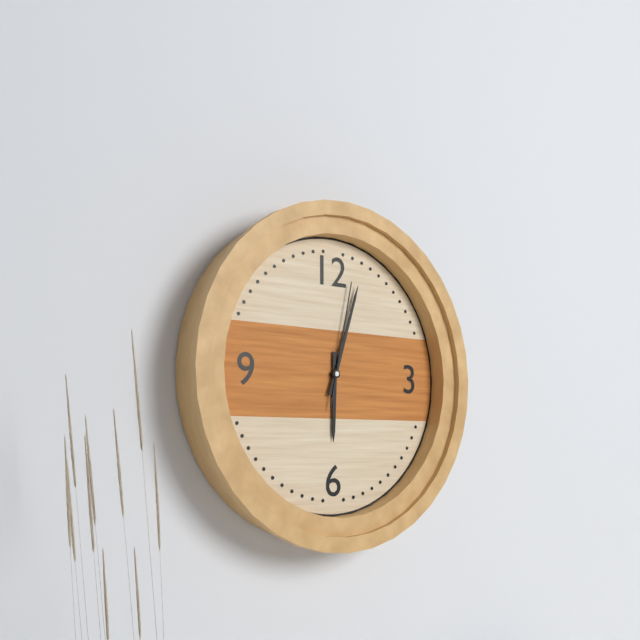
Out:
6 h 03 min 02 s
